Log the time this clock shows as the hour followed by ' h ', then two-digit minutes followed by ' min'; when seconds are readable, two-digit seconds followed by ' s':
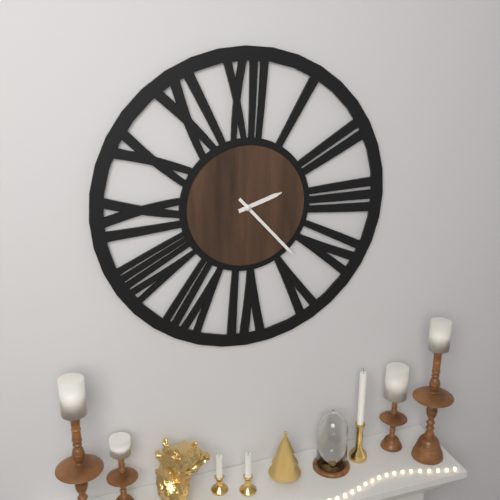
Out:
2 h 23 min
